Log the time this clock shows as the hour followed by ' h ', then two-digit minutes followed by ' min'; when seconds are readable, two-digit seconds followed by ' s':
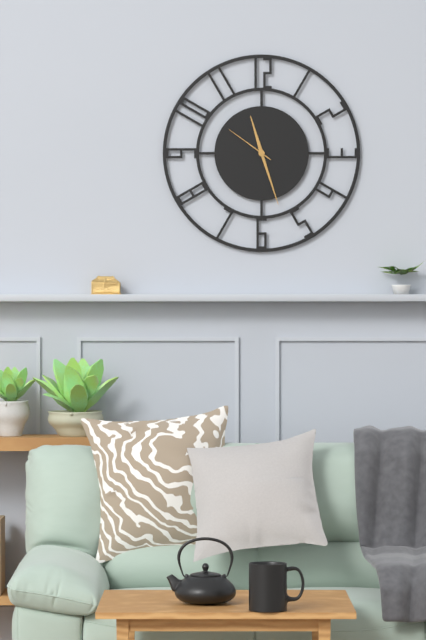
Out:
11 h 27 min 51 s
